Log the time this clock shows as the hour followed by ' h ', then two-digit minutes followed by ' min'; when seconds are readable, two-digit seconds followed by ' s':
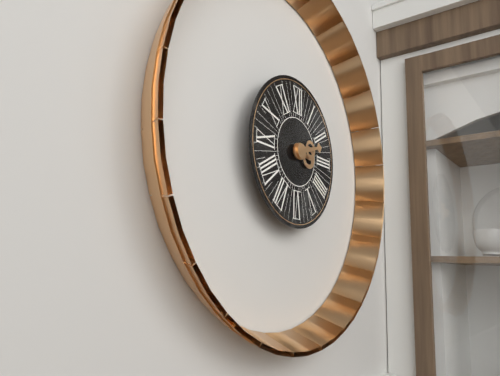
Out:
3 h 12 min
